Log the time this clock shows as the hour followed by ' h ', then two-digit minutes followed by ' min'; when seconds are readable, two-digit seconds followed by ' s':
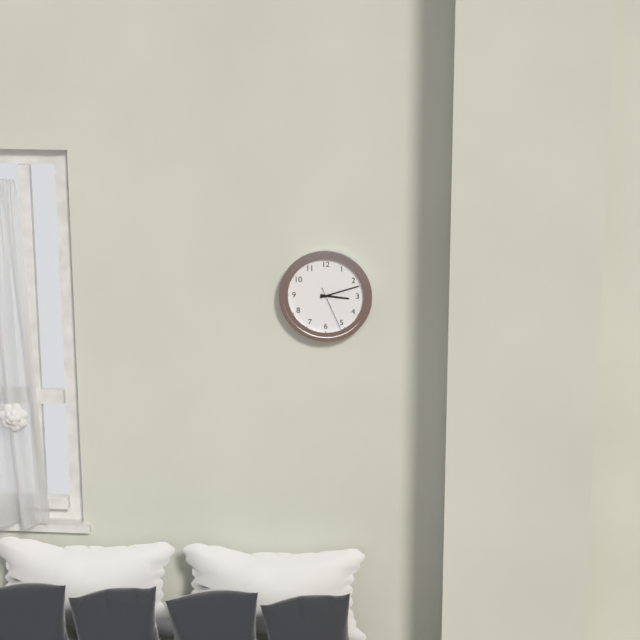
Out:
3 h 12 min
